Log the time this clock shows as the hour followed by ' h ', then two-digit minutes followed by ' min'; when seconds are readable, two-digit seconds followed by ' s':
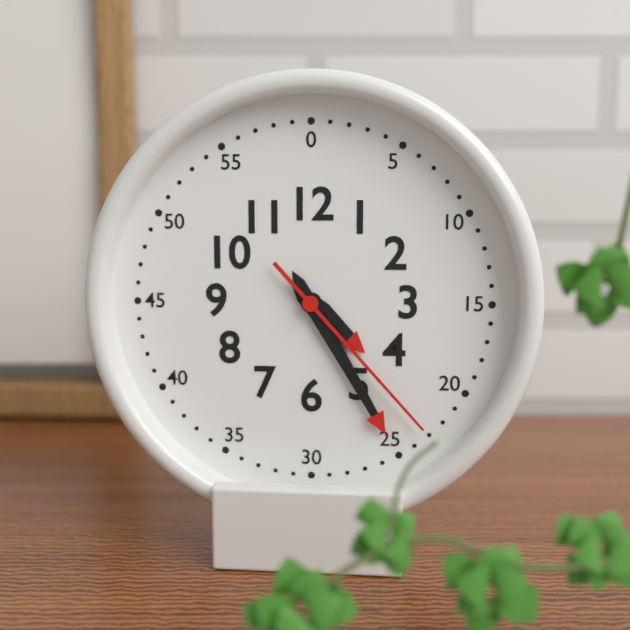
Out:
4 h 25 min 23 s
